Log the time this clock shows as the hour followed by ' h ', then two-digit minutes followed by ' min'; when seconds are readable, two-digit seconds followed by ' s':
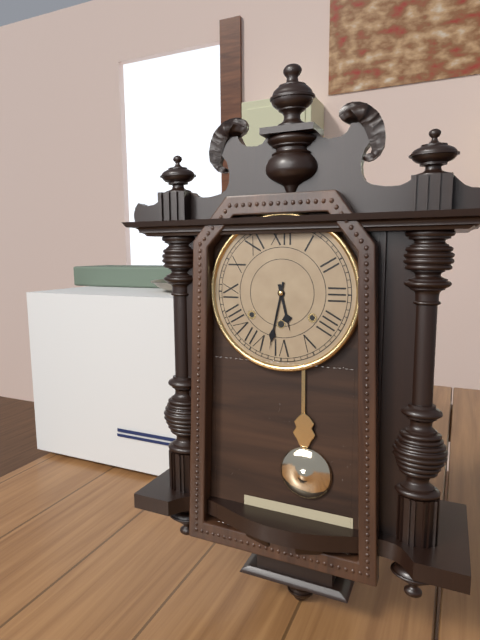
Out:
5 h 32 min
